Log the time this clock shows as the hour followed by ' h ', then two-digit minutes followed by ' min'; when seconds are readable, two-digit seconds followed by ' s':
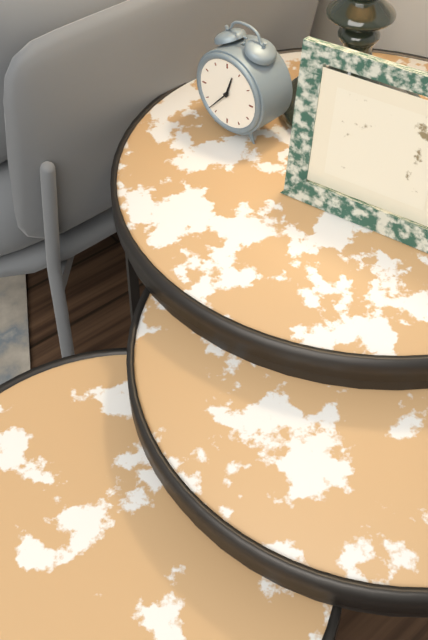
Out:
12 h 37 min
